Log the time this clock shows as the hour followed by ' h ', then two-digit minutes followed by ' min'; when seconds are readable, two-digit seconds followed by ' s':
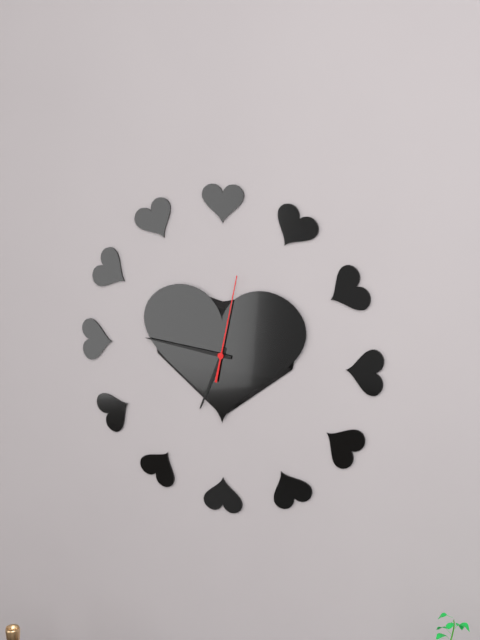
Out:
6 h 46 min 02 s
